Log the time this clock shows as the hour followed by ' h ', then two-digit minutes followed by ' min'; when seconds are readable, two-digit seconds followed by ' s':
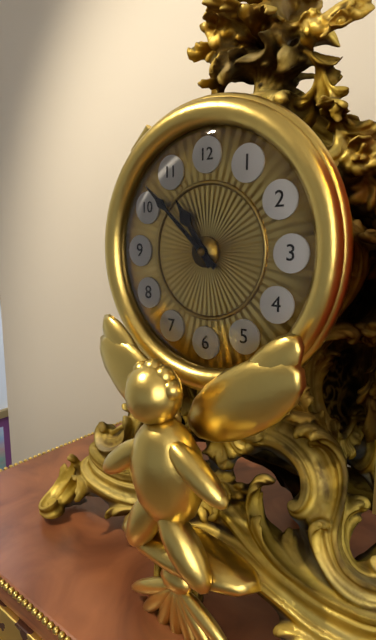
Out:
10 h 52 min
